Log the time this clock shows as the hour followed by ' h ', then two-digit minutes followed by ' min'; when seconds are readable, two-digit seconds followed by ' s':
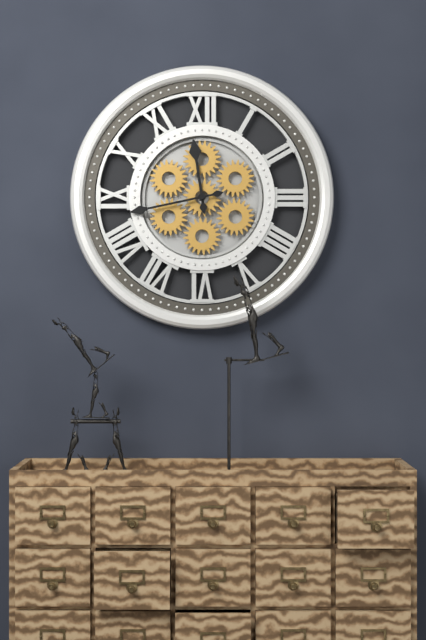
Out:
11 h 43 min
